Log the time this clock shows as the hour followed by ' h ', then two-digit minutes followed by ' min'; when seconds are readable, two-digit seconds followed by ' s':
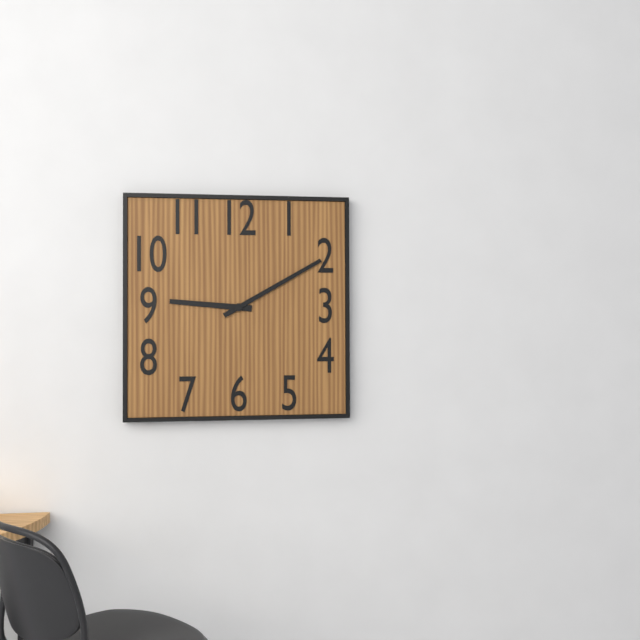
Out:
9 h 10 min
